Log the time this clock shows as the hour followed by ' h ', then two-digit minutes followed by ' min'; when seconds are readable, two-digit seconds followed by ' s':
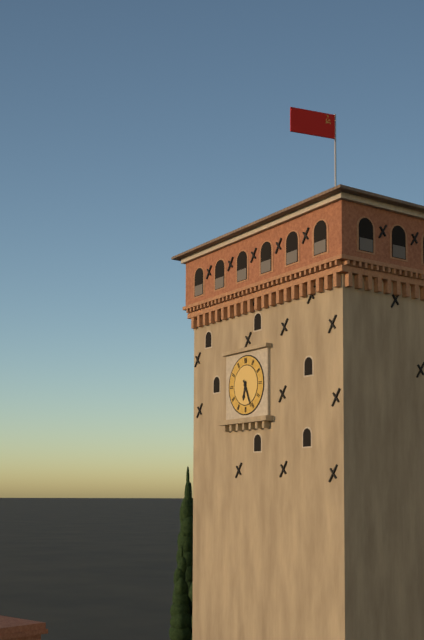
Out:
6 h 26 min
